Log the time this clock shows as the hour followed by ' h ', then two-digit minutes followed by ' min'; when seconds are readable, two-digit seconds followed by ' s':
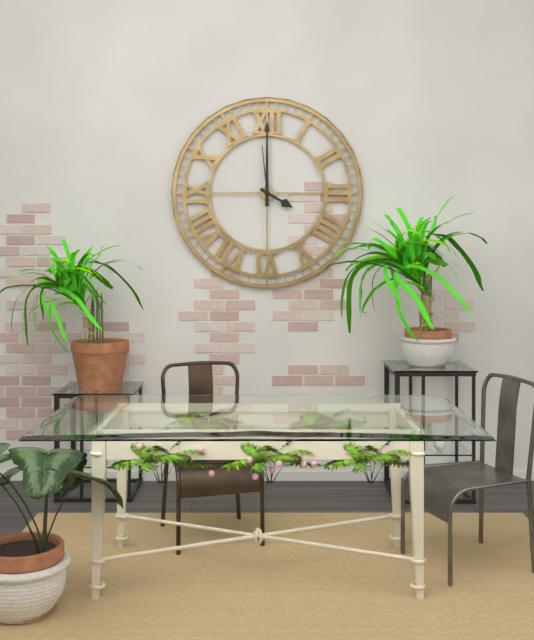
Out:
4 h 00 min 59 s
